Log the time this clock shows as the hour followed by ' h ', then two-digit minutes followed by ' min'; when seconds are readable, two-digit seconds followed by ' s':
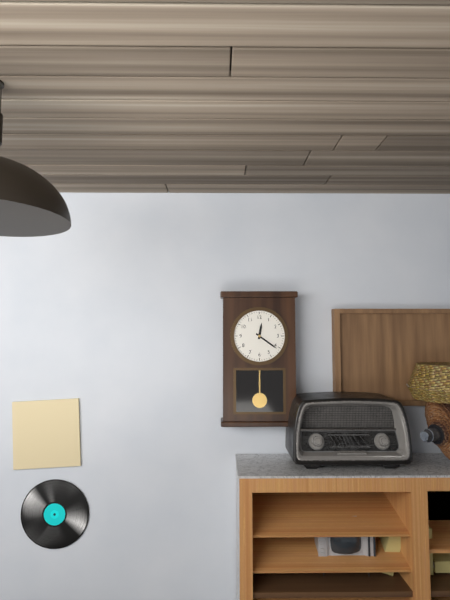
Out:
12 h 21 min
